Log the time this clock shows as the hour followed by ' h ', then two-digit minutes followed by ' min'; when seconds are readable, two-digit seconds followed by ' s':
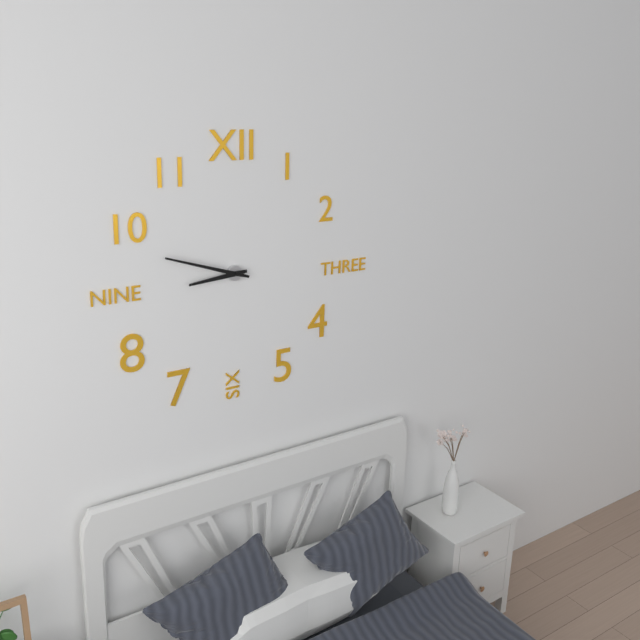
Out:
8 h 48 min
